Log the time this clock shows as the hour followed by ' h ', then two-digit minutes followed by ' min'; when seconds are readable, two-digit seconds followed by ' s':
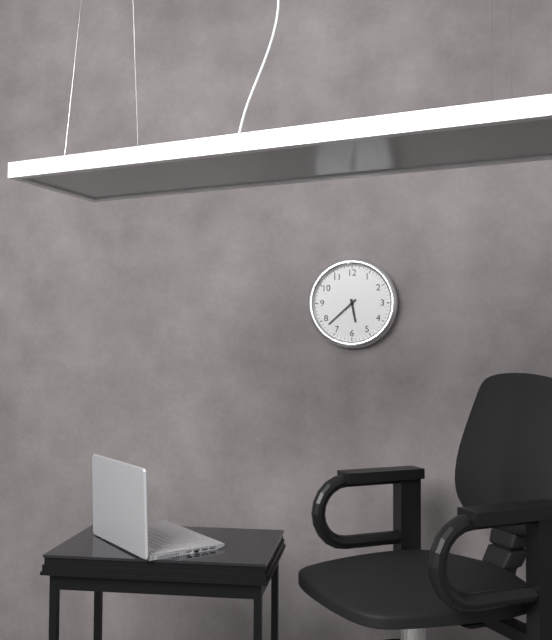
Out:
5 h 38 min
